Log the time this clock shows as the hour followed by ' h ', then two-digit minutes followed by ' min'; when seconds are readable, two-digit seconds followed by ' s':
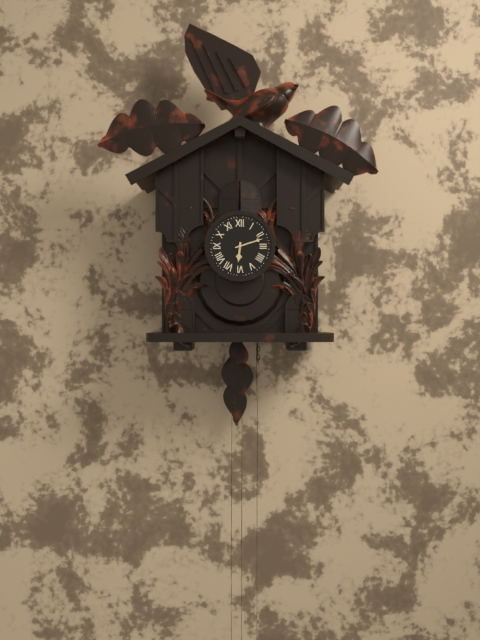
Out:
6 h 12 min
